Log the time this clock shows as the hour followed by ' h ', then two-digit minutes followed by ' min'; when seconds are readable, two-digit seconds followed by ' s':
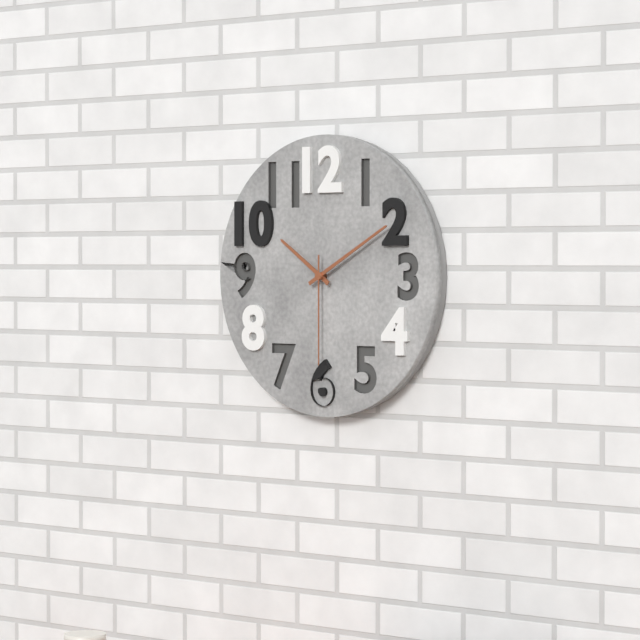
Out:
10 h 10 min 30 s
